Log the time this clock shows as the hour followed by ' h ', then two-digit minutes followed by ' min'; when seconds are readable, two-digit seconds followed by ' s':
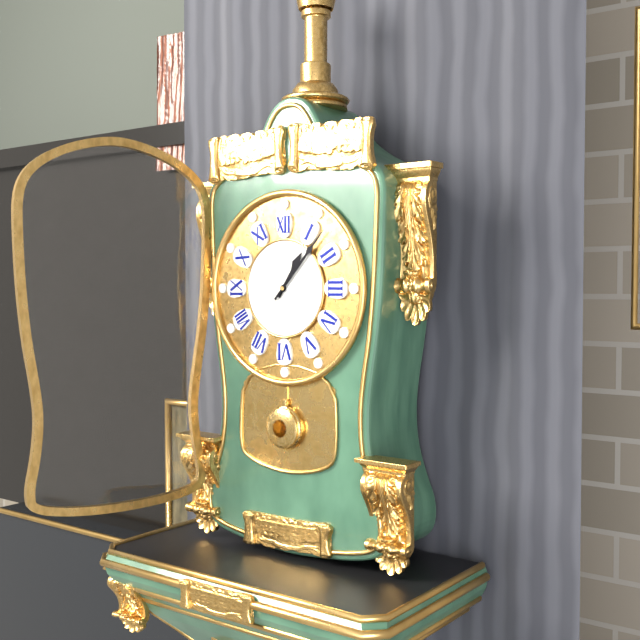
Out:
1 h 07 min
